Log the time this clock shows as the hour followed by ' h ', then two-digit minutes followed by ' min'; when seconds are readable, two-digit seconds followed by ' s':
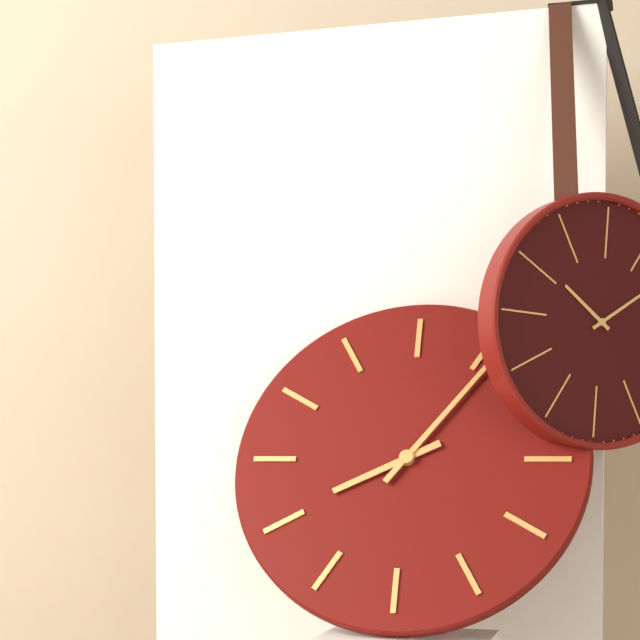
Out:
8 h 06 min
